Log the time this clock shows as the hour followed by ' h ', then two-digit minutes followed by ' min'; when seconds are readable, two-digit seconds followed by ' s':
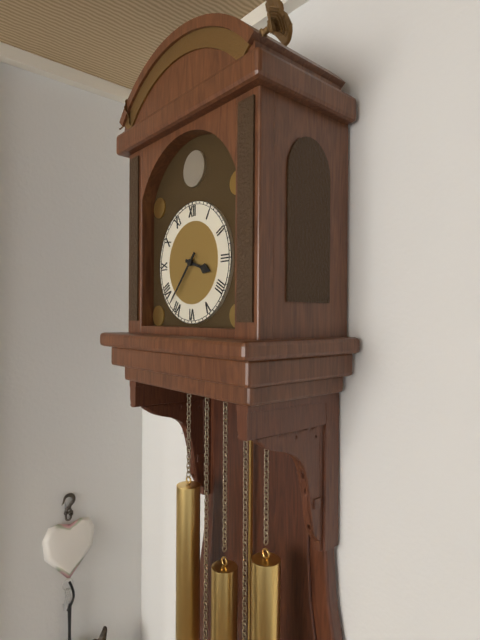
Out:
3 h 37 min
